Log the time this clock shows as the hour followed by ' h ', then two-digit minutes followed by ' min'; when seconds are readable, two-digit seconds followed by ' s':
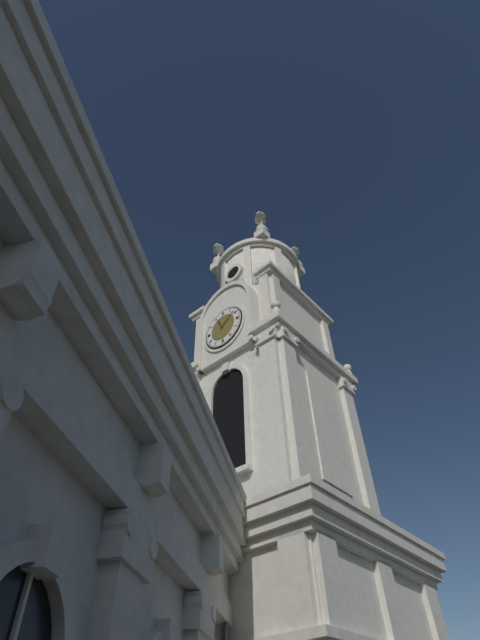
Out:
11 h 09 min
